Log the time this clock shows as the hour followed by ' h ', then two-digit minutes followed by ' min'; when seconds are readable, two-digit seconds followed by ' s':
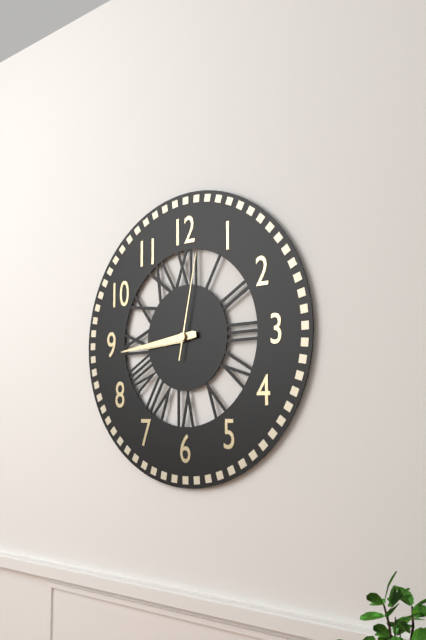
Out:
8 h 44 min 02 s
